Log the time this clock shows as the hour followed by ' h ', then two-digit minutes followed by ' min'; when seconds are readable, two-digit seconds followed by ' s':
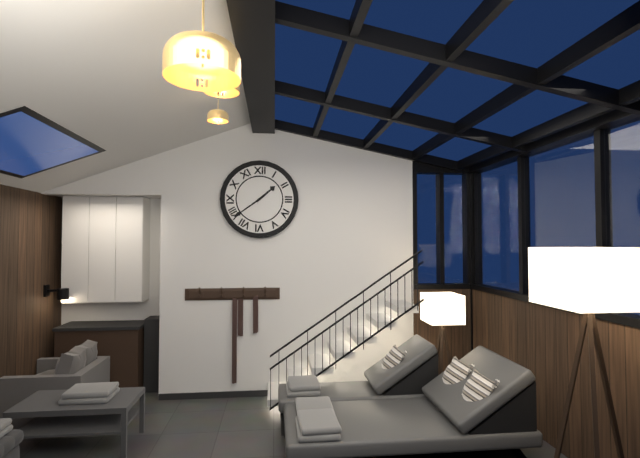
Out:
1 h 39 min
